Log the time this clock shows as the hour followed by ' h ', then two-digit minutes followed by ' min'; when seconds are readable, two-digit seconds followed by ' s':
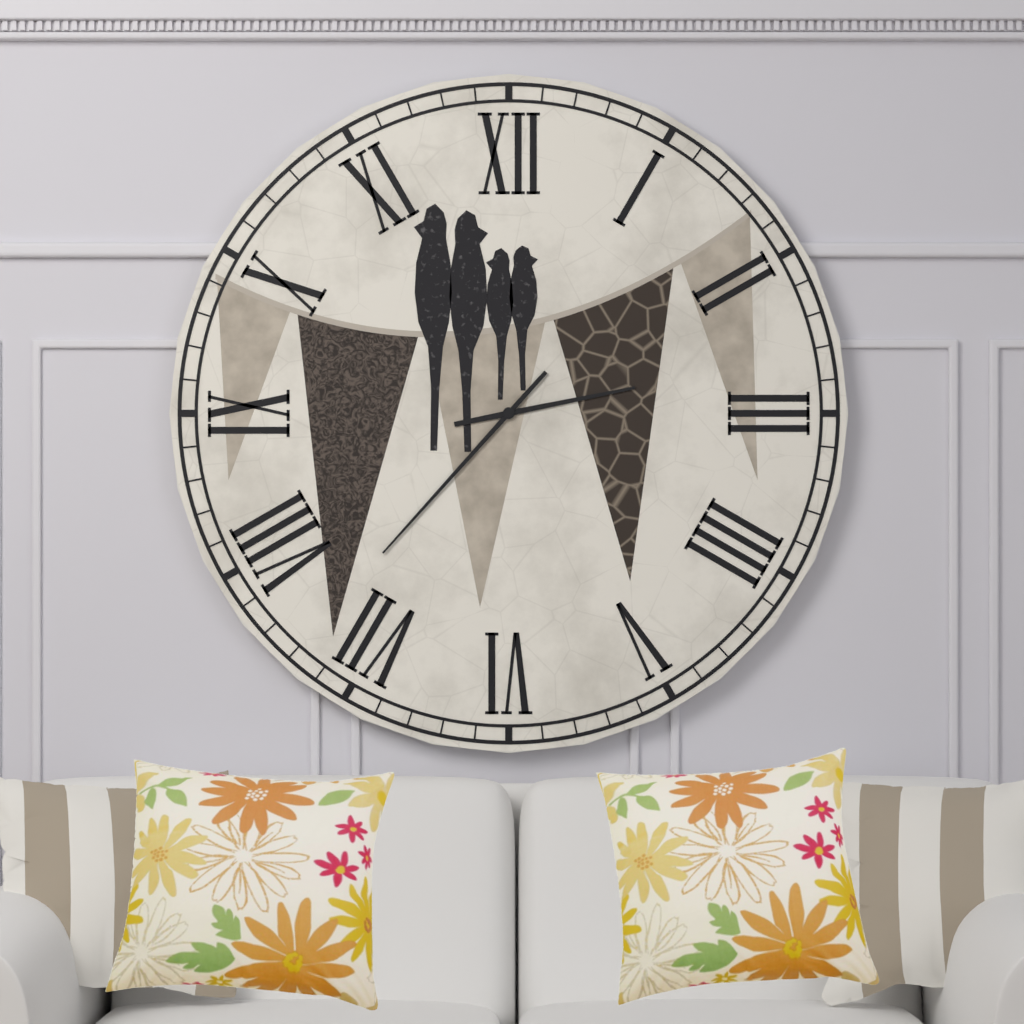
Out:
2 h 37 min
